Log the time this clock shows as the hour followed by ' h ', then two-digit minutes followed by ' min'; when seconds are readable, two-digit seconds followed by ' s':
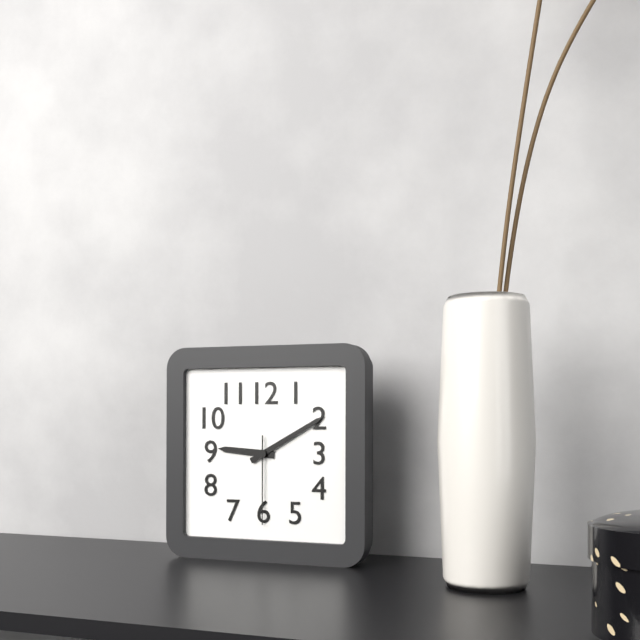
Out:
9 h 10 min 30 s
